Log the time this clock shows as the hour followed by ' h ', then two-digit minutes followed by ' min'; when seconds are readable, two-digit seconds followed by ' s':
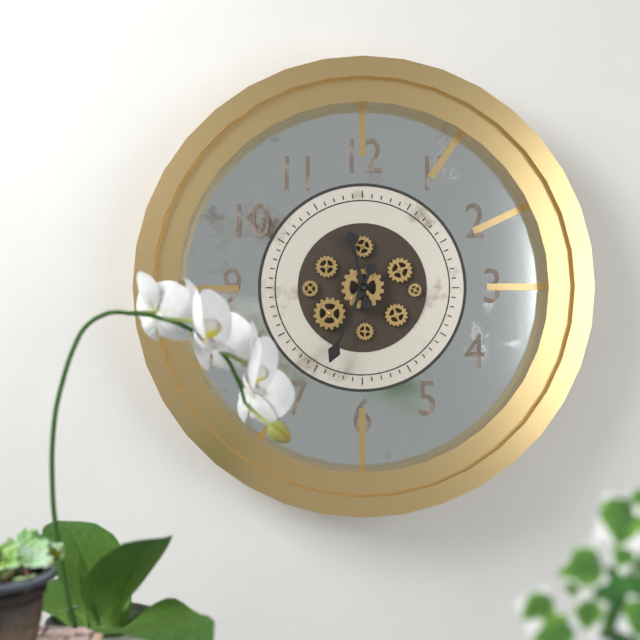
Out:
11 h 34 min
